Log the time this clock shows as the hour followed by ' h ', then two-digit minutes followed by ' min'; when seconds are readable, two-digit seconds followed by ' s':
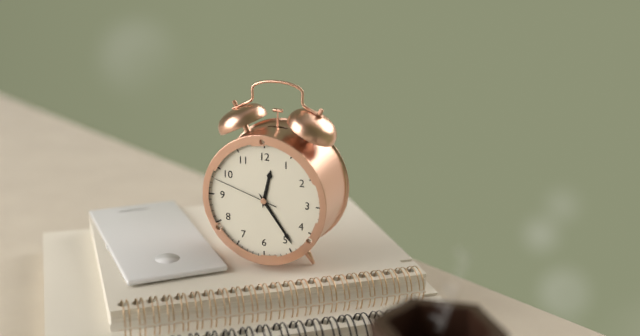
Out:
12 h 24 min 48 s
